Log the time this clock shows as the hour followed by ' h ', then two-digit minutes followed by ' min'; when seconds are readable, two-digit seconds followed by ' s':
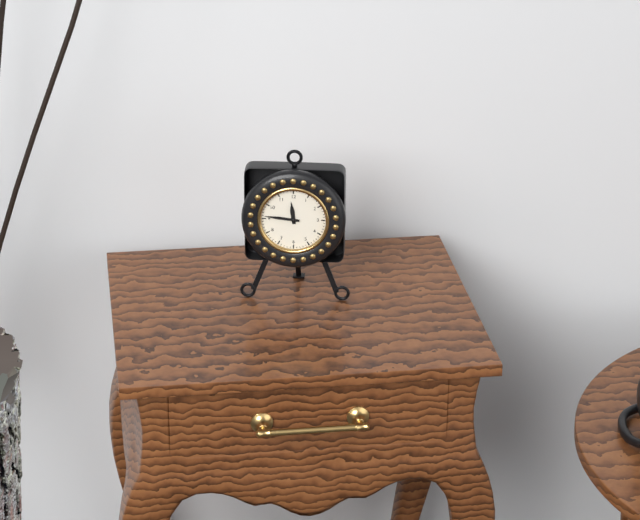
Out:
11 h 46 min
